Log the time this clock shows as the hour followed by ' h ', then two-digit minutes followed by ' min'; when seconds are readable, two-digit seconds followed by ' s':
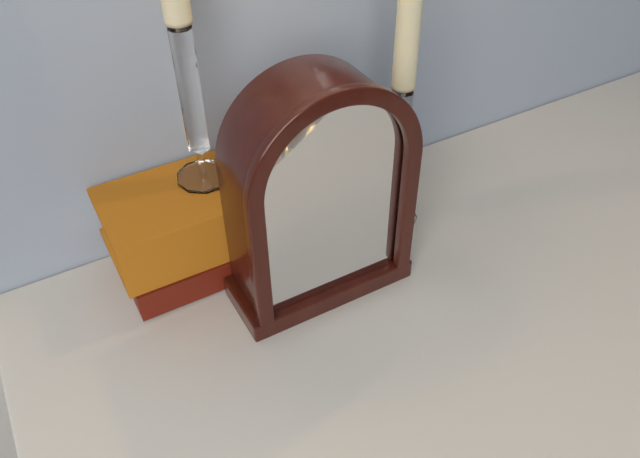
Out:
1 h 10 min
